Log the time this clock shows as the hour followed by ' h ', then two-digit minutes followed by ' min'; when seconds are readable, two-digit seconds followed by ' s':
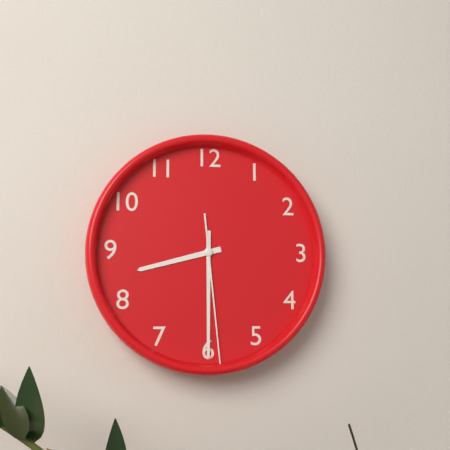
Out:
8 h 30 min 29 s
